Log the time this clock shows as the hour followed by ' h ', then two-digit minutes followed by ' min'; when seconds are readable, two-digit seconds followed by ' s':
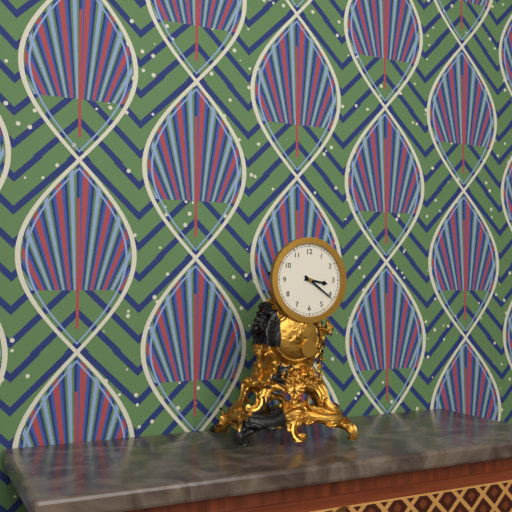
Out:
3 h 21 min
